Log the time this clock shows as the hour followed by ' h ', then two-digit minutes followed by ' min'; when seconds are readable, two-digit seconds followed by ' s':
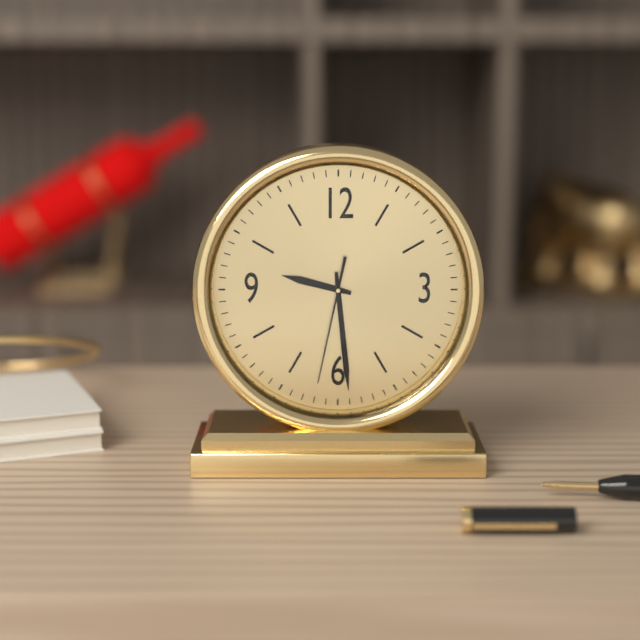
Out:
9 h 29 min 32 s
